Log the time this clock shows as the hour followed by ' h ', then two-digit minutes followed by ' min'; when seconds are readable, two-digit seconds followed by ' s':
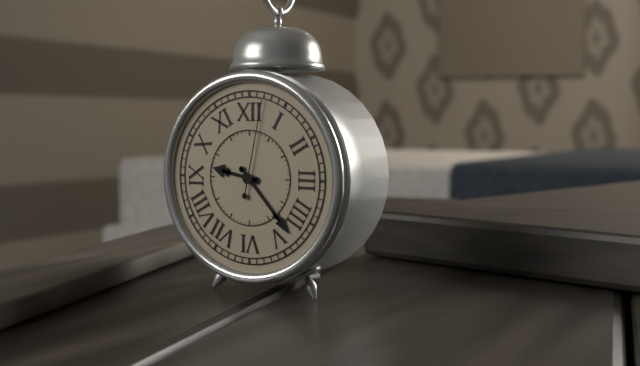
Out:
9 h 23 min 02 s
